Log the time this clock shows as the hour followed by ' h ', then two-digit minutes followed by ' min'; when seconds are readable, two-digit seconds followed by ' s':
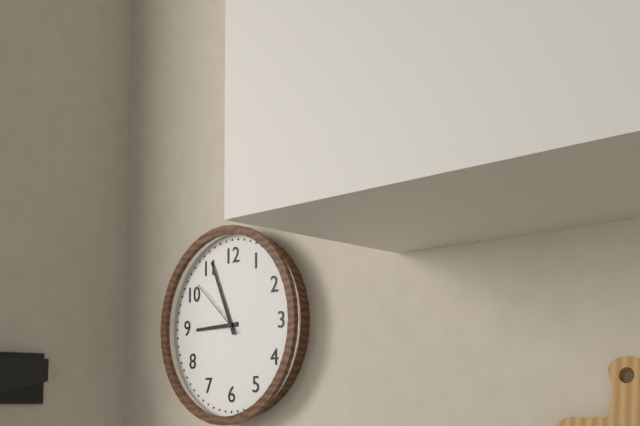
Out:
8 h 56 min 52 s
